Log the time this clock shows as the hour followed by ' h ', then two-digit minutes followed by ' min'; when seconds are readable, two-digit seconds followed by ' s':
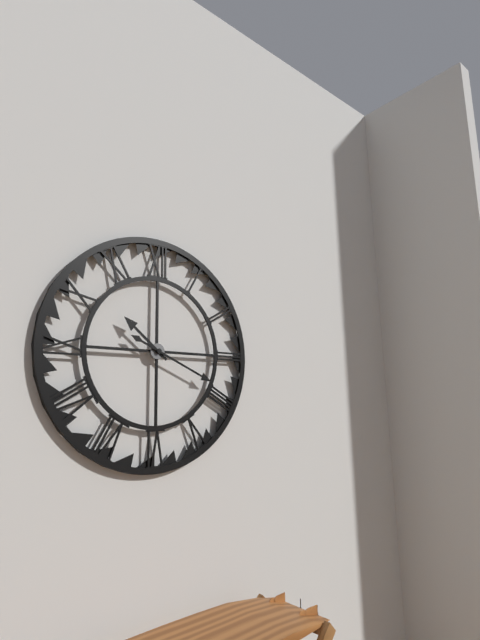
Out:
10 h 19 min
